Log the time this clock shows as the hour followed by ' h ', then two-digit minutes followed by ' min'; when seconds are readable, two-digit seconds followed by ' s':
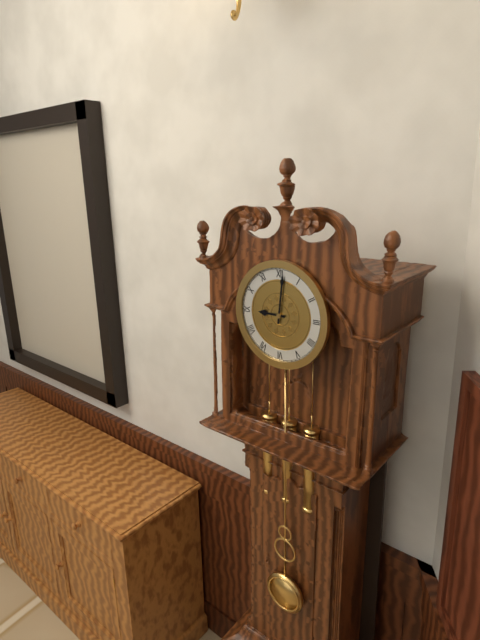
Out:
9 h 01 min
